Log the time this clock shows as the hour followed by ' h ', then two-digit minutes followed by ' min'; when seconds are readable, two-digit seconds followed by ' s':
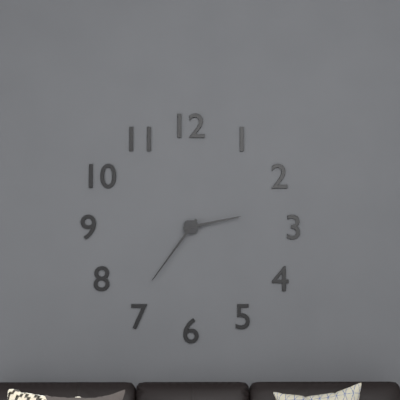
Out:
2 h 36 min
